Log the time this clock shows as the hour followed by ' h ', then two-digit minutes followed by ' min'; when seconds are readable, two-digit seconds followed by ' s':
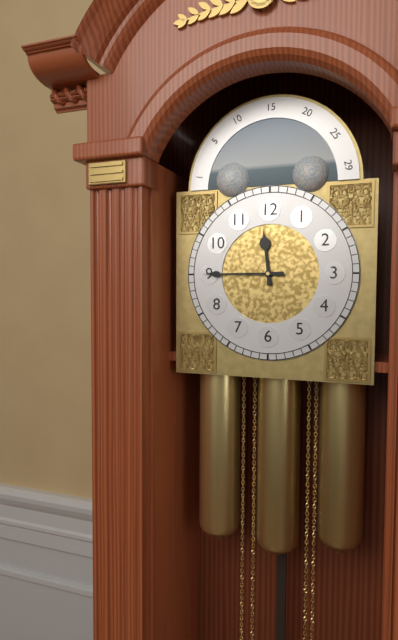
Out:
11 h 45 min
